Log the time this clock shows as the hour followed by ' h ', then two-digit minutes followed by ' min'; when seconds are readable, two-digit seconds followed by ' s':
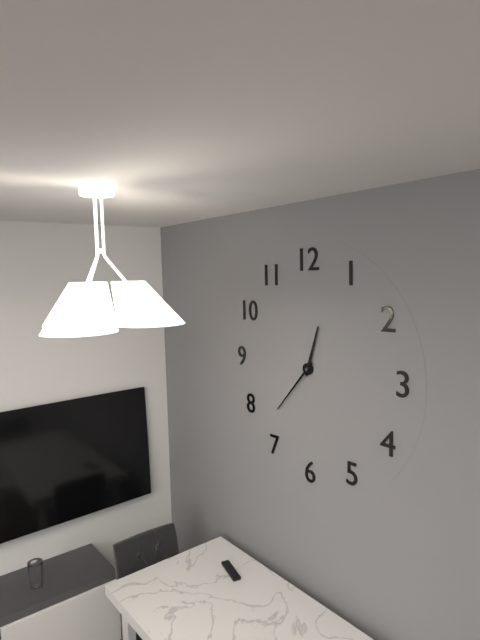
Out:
12 h 37 min
